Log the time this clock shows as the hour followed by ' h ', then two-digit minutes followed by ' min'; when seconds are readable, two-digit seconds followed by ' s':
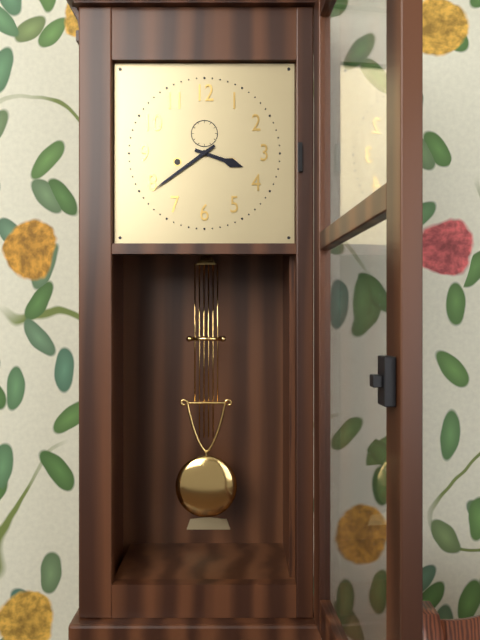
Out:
3 h 39 min
